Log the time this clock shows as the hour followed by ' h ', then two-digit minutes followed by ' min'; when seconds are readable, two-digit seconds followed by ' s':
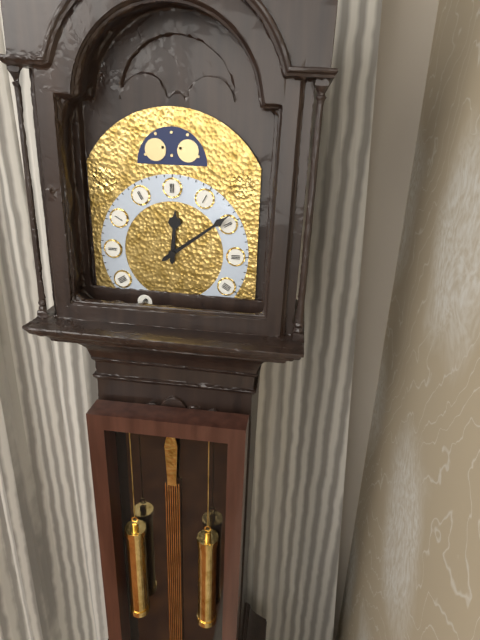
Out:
12 h 09 min
